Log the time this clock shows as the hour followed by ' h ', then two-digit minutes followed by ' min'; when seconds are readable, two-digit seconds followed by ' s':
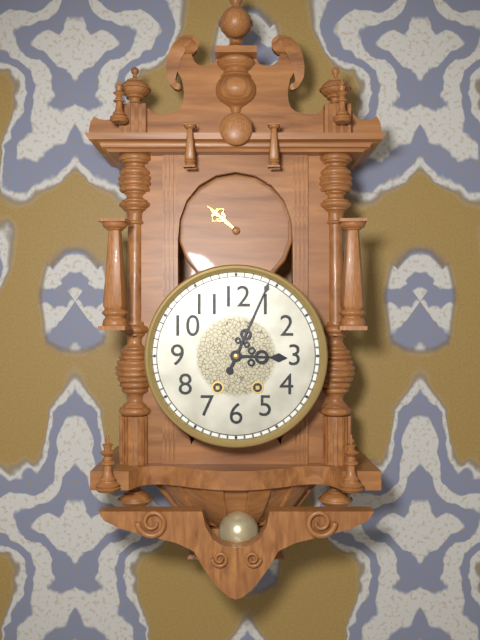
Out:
3 h 04 min
